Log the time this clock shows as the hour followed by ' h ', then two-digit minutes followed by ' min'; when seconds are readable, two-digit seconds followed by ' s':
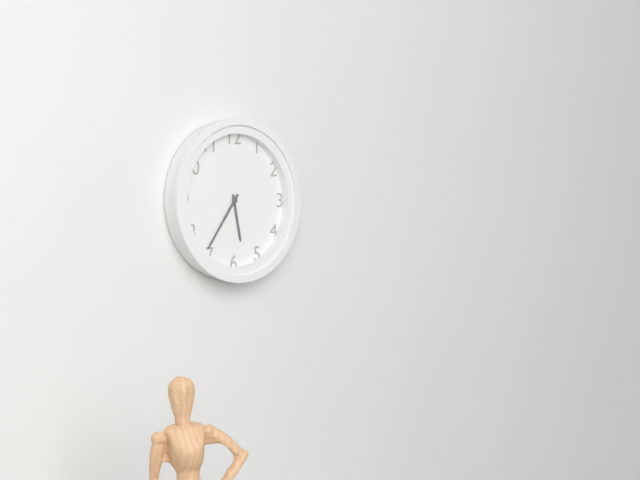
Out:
5 h 36 min
